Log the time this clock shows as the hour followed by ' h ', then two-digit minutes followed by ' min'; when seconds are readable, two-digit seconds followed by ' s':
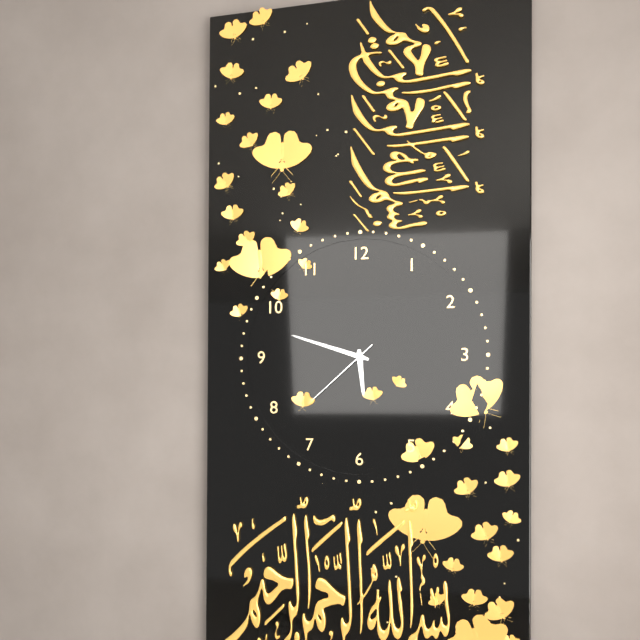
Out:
5 h 48 min 38 s
